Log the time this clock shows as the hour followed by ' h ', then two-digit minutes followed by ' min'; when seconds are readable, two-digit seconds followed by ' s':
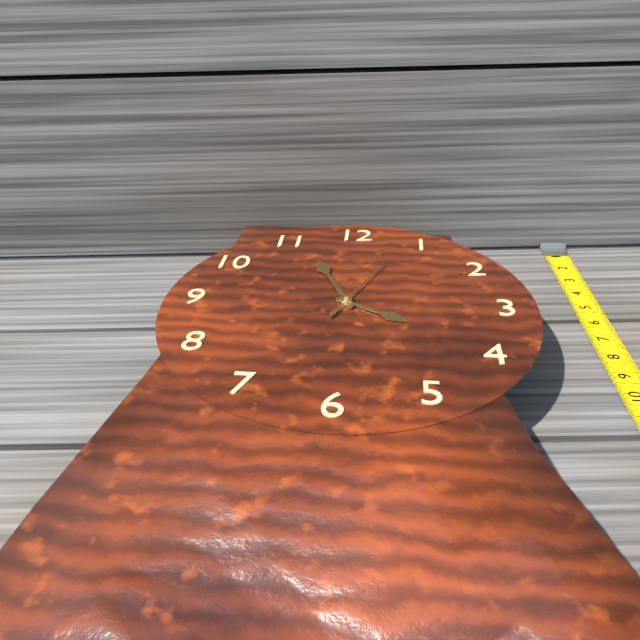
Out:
3 h 56 min 04 s
